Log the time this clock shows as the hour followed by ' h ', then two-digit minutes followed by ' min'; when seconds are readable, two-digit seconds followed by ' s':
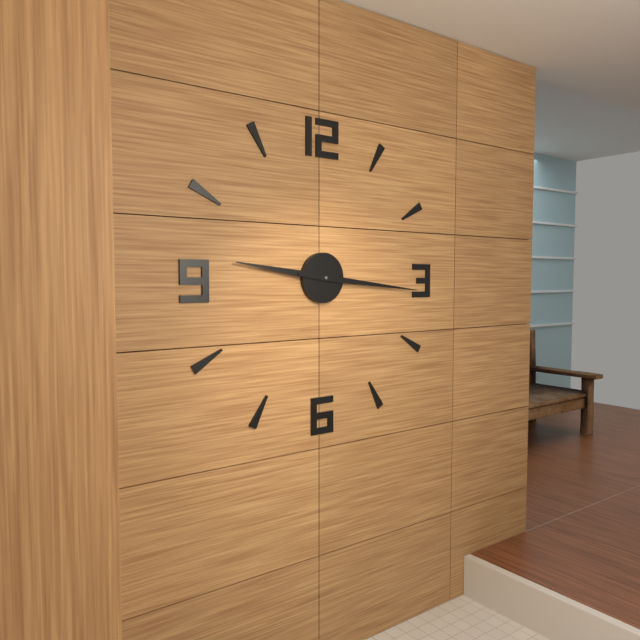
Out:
9 h 16 min
